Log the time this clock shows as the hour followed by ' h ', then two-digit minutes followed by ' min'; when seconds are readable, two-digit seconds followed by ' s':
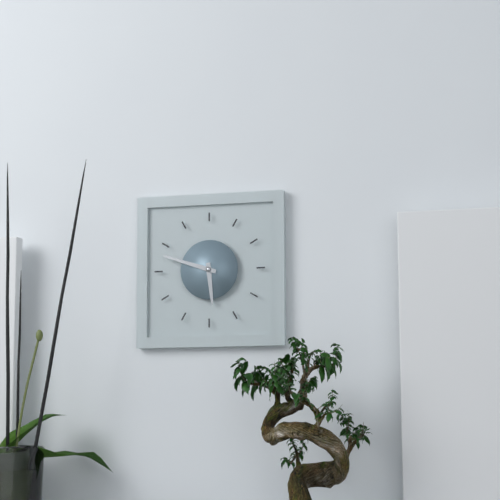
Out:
5 h 48 min
